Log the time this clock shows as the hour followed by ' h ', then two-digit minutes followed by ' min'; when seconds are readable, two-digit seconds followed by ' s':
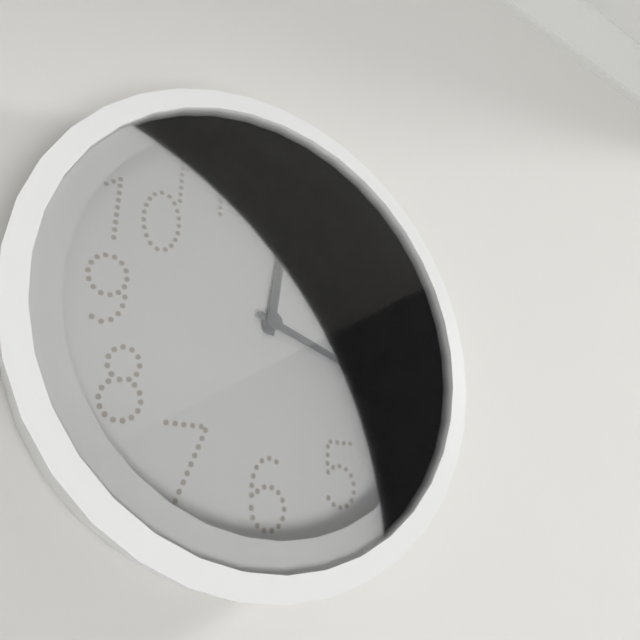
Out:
12 h 18 min
